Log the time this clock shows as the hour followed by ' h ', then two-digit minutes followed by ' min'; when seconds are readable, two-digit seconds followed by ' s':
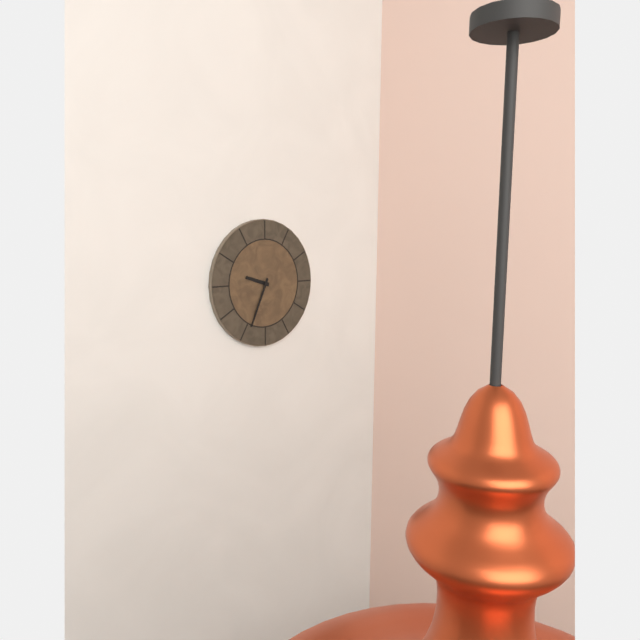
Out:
9 h 34 min
